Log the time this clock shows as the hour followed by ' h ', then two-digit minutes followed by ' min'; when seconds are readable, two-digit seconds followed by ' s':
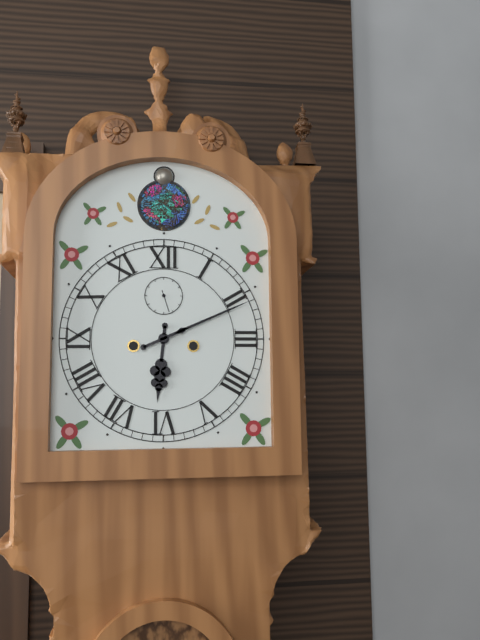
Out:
6 h 11 min
